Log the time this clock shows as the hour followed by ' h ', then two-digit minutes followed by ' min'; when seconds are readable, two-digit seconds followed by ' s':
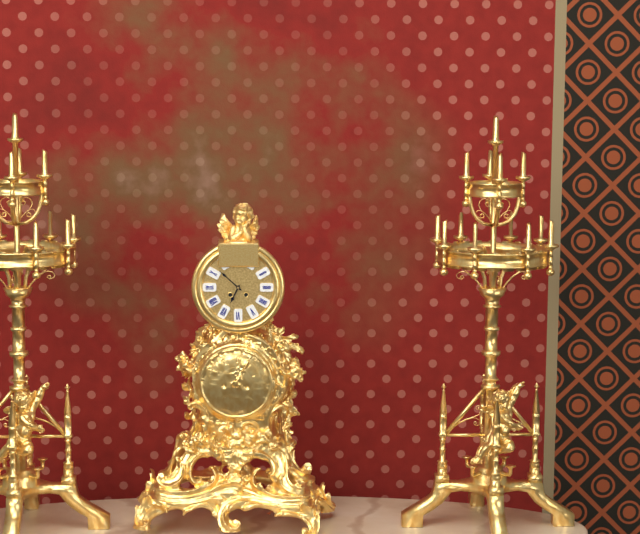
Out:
6 h 52 min
